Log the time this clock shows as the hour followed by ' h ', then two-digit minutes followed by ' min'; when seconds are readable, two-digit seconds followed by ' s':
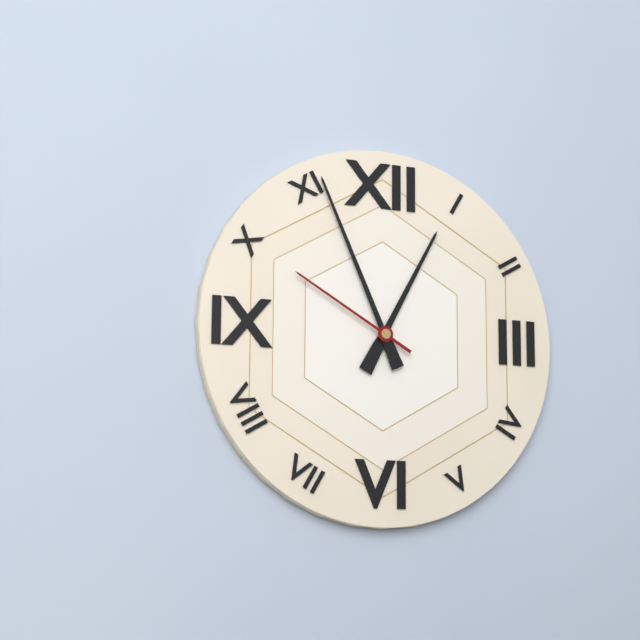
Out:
12 h 56 min 50 s
